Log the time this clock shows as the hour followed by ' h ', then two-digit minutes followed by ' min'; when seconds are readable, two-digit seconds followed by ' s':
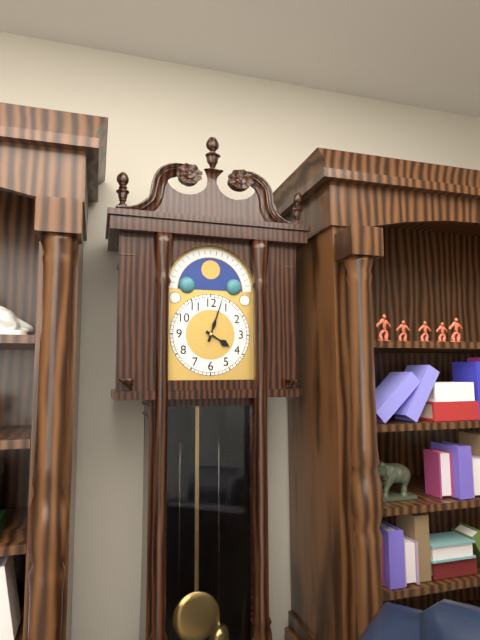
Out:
4 h 03 min
